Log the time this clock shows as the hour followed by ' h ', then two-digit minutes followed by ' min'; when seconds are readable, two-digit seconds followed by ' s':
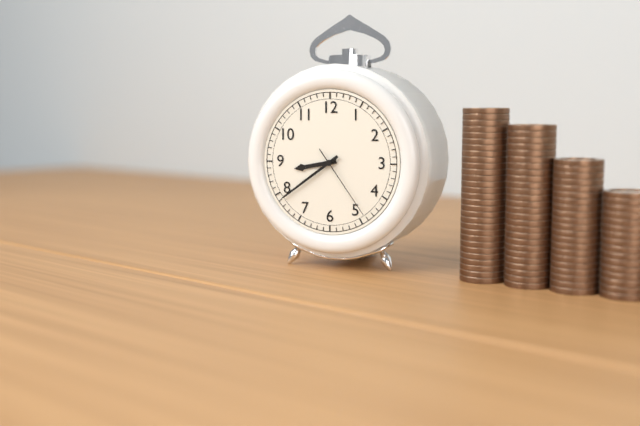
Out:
8 h 39 min 24 s
